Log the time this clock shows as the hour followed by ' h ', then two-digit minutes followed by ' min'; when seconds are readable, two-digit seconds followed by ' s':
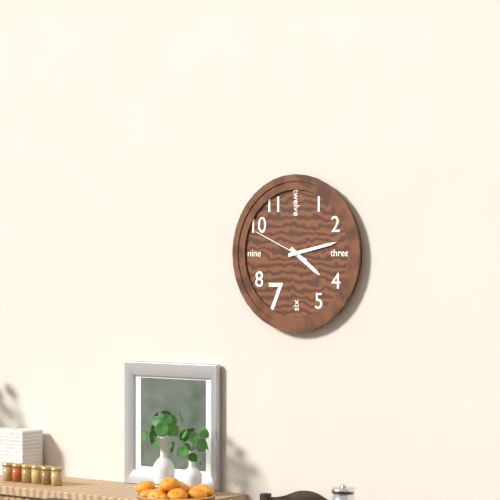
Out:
4 h 13 min 49 s
